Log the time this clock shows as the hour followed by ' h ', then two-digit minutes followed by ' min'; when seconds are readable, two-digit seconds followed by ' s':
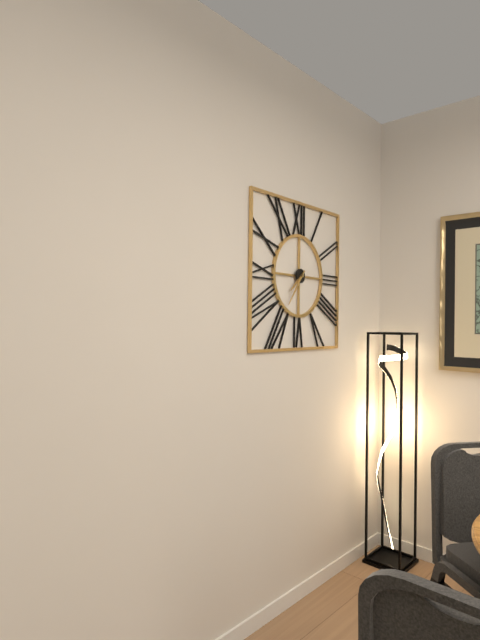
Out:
7 h 36 min
